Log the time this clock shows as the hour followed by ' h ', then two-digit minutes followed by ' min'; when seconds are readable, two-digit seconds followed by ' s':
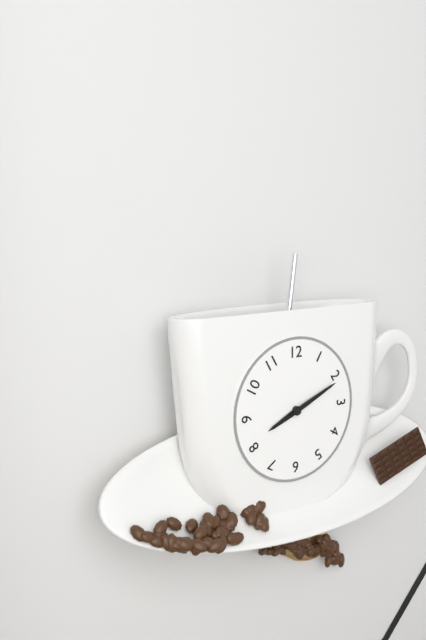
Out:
8 h 11 min
